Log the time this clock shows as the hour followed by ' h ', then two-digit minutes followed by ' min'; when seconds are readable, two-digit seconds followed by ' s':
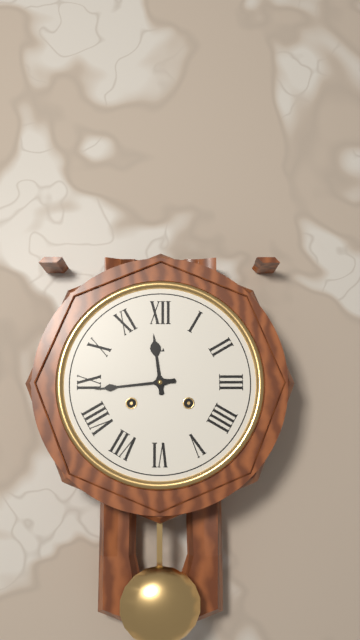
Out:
11 h 44 min
